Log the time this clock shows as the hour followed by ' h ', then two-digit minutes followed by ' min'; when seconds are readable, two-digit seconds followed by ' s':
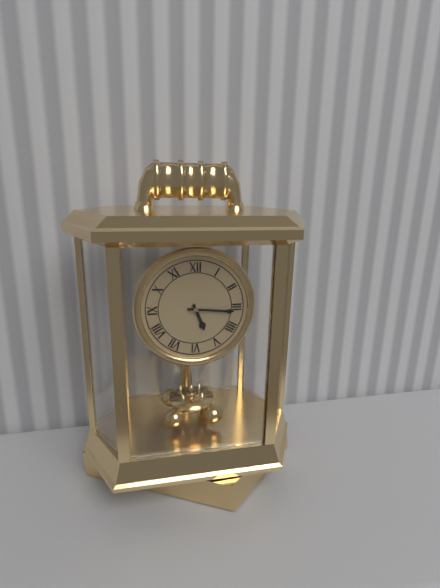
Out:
5 h 16 min
